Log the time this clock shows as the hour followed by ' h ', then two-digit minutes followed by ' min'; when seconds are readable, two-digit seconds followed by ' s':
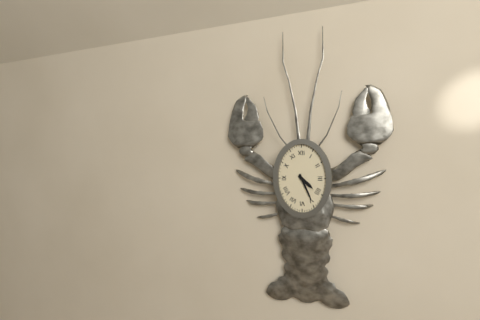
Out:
4 h 26 min
